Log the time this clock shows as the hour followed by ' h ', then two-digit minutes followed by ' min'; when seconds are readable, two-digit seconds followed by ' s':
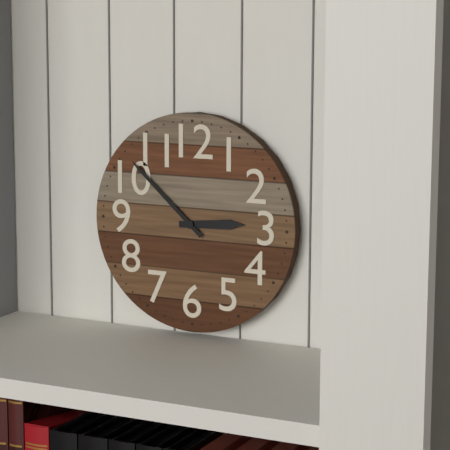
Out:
2 h 52 min
